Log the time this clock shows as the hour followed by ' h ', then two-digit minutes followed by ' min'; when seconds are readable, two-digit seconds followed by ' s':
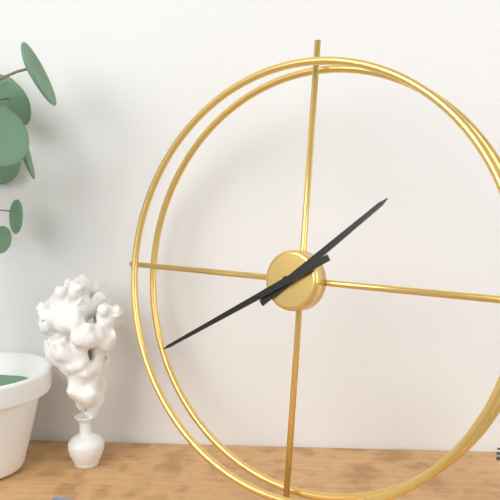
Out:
1 h 40 min
